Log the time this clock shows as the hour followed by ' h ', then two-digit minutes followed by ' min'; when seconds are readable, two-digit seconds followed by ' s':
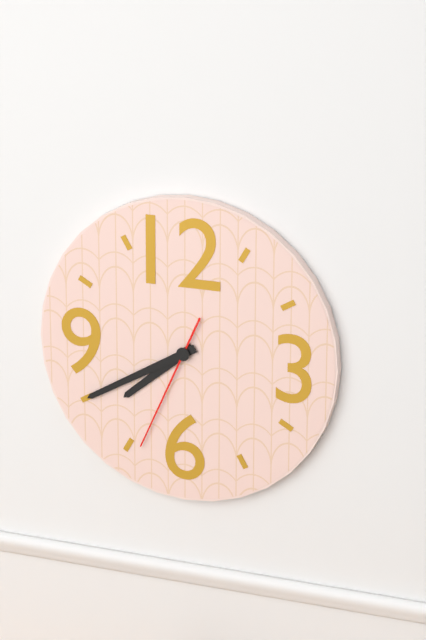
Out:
7 h 40 min 34 s
